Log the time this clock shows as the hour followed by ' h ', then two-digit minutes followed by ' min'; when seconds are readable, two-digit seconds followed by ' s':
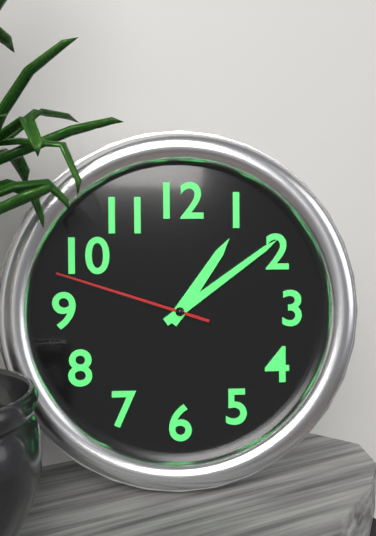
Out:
1 h 09 min 48 s
